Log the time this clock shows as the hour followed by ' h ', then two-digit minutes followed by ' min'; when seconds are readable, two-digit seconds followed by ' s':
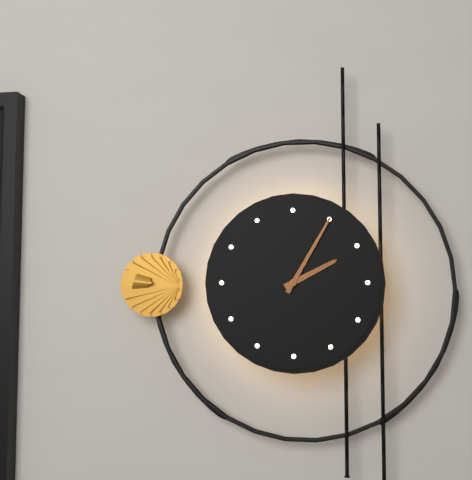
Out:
2 h 05 min
